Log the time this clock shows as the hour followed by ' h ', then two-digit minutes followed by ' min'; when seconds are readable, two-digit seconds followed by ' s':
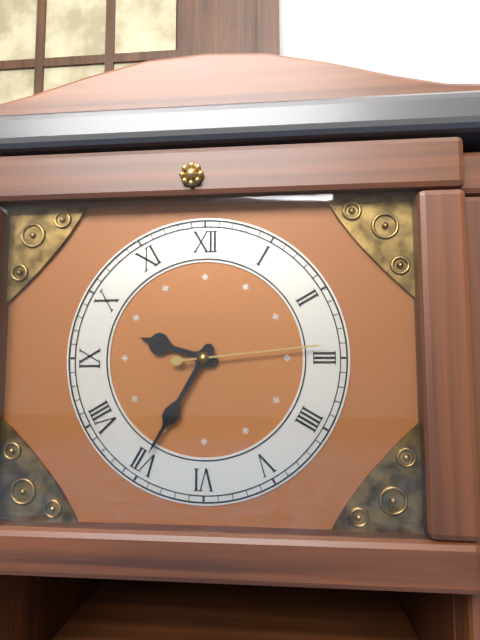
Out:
9 h 35 min 14 s
